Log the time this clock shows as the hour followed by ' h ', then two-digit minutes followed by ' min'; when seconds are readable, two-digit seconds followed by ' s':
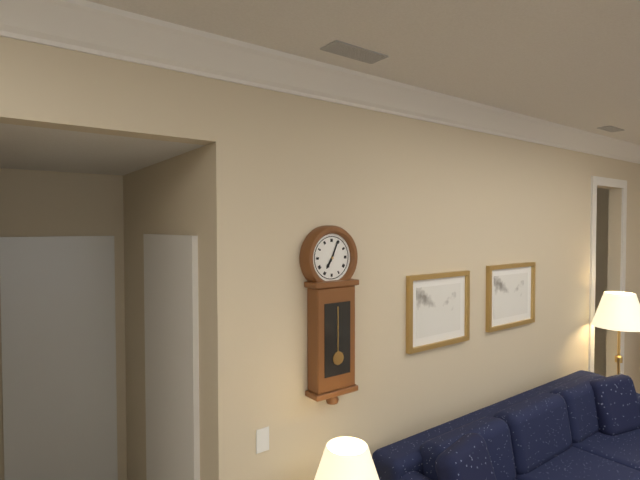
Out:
7 h 04 min
